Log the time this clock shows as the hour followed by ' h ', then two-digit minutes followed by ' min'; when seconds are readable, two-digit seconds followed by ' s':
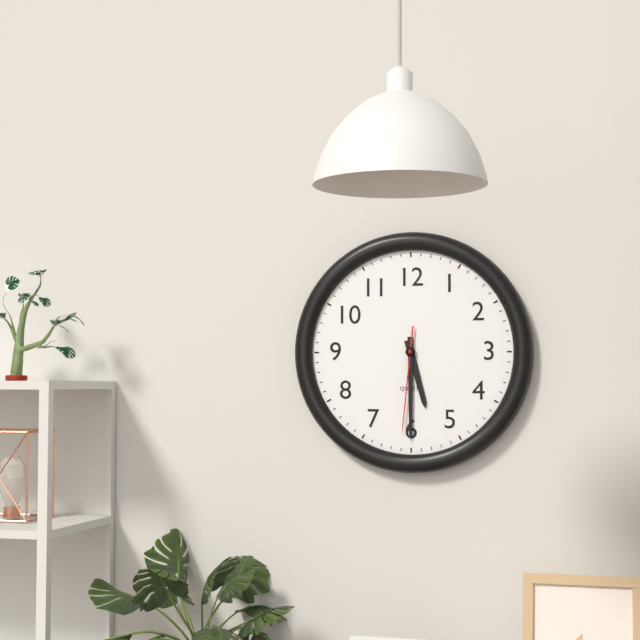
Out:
5 h 30 min 31 s
